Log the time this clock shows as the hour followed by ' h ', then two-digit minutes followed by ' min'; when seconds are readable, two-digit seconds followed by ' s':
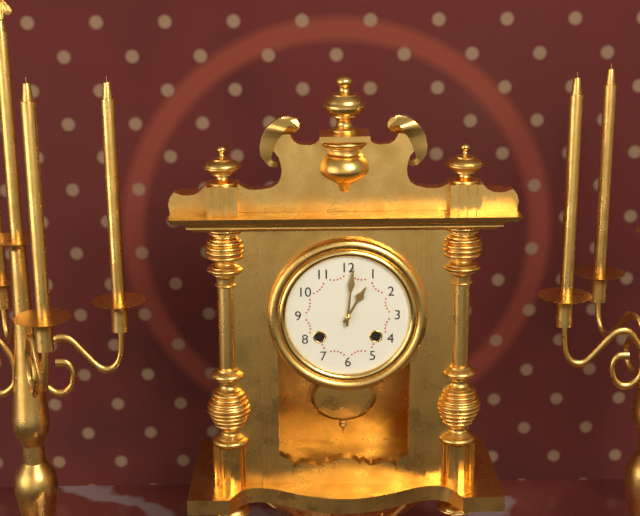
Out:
1 h 01 min
